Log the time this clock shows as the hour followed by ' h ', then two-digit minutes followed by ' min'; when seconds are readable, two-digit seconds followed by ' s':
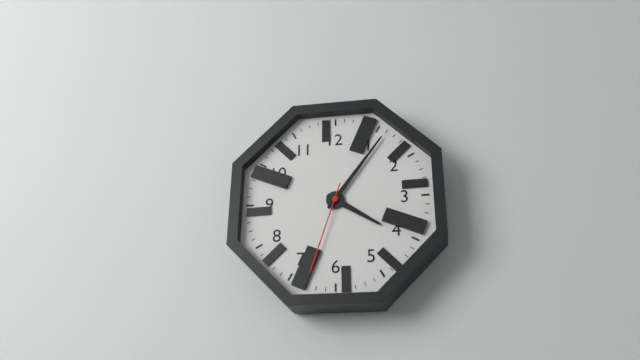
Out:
4 h 06 min 33 s
